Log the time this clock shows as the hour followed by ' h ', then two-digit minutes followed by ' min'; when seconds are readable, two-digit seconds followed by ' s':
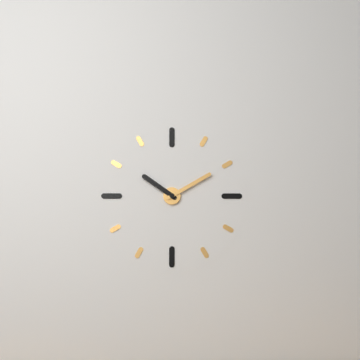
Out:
10 h 10 min
